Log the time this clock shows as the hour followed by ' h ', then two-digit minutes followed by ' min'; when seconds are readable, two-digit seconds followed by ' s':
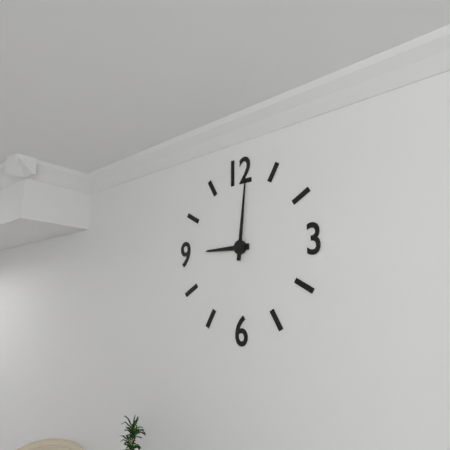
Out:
9 h 01 min
